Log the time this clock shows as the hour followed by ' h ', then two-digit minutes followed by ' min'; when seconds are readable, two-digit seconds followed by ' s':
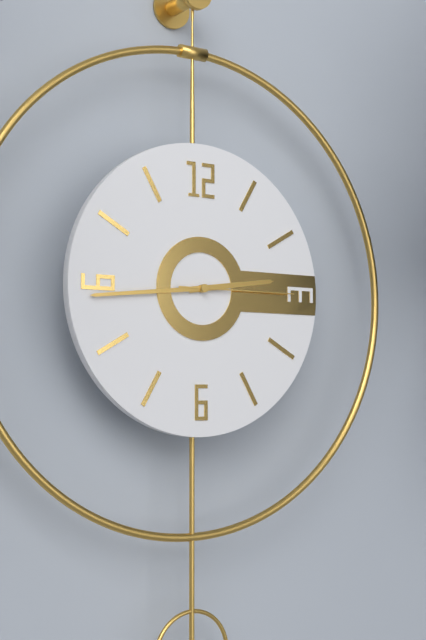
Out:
2 h 44 min 15 s
